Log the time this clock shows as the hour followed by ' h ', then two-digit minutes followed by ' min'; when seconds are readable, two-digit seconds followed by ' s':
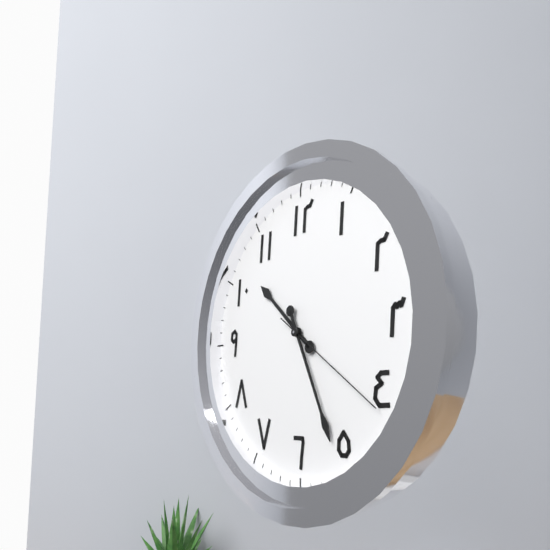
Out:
10 h 26 min 21 s
